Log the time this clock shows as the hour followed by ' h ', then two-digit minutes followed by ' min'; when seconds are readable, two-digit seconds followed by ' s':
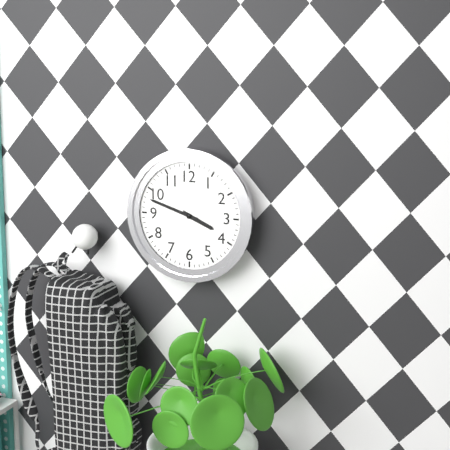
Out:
3 h 48 min
